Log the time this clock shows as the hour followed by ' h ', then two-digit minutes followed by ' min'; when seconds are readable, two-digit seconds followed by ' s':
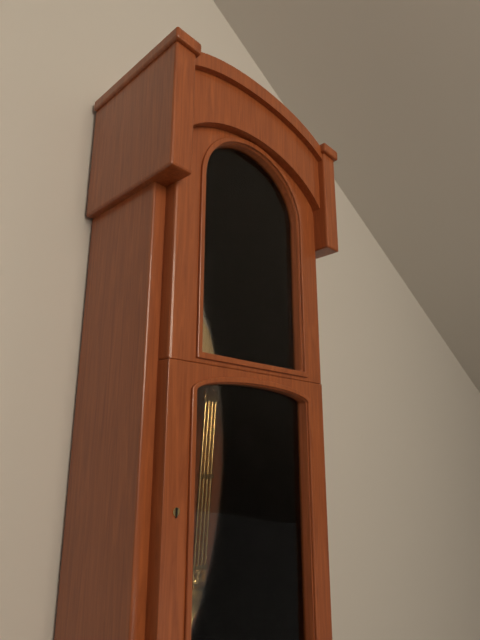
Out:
4 h 24 min
